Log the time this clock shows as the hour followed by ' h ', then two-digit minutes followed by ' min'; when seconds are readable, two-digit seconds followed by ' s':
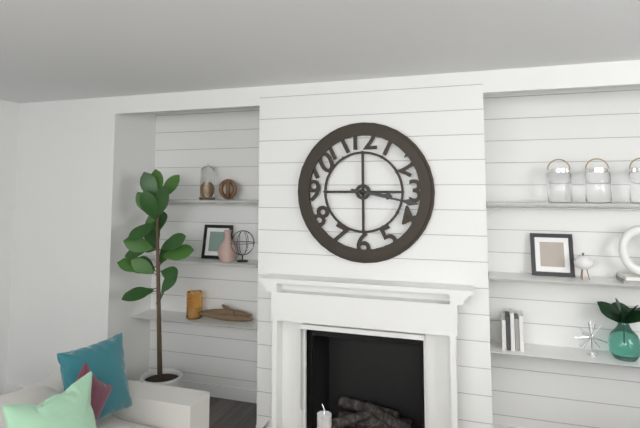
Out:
3 h 17 min
